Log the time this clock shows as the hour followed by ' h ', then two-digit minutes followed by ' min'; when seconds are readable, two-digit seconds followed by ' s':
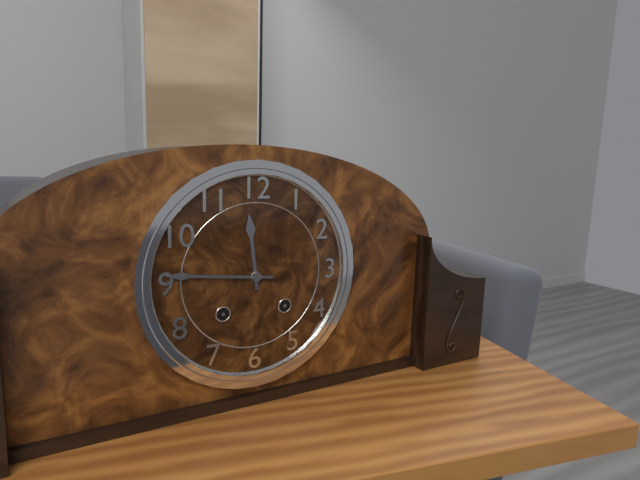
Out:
11 h 46 min
